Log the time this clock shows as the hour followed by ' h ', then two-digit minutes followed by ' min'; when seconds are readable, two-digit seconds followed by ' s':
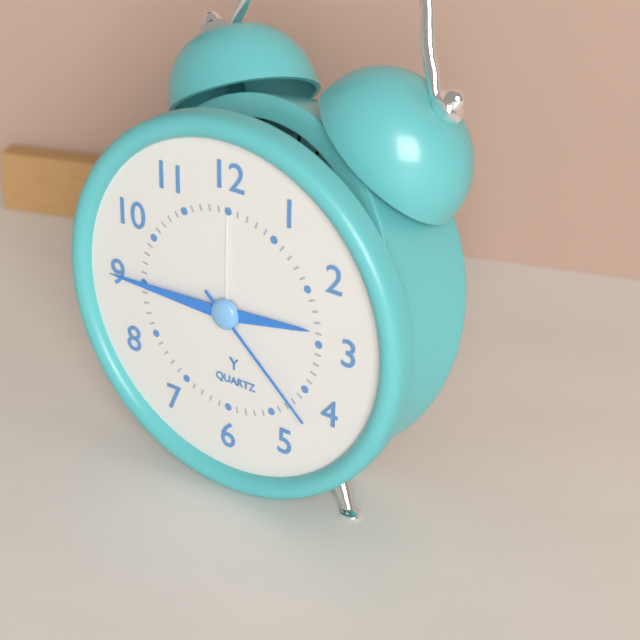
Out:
2 h 45 min 22 s
